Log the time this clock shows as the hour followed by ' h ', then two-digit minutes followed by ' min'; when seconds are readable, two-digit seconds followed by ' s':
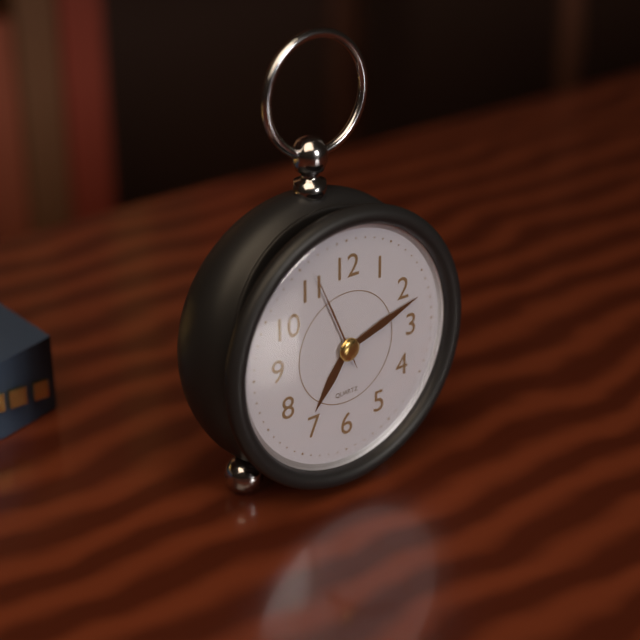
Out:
7 h 12 min 56 s
